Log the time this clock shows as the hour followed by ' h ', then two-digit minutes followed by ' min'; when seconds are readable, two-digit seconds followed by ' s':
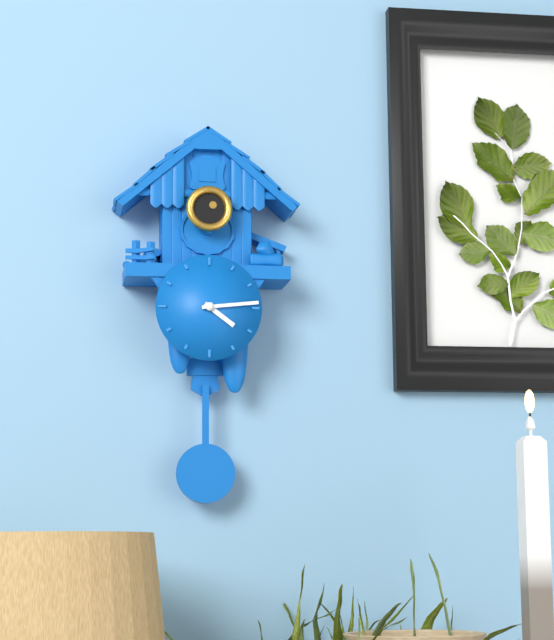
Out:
4 h 14 min
